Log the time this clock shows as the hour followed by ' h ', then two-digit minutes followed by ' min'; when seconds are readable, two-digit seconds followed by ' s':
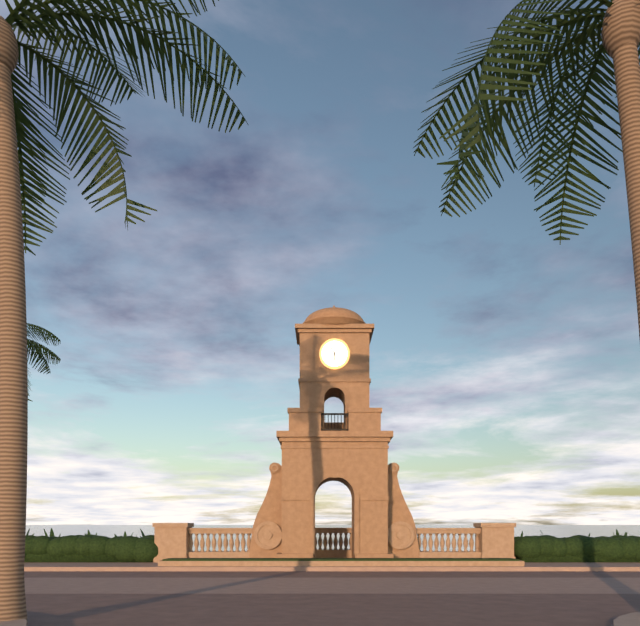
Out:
5 h 55 min
